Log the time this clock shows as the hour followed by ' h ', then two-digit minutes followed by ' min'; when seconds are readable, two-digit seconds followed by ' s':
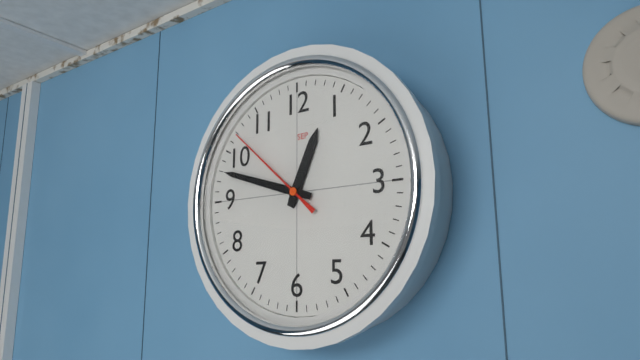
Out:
12 h 48 min 52 s
